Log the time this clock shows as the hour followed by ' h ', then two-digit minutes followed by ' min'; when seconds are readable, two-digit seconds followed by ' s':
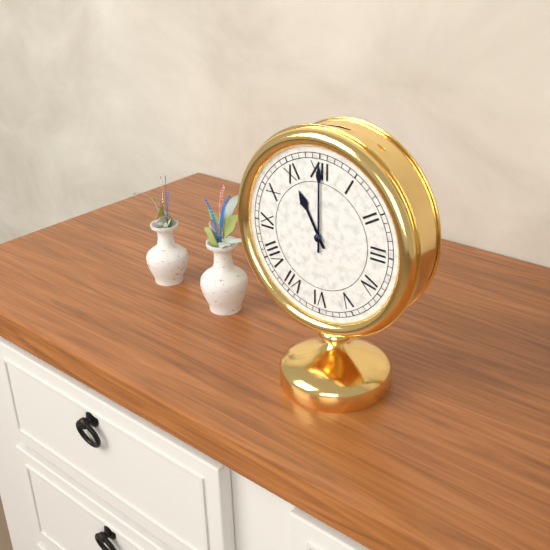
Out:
11 h 00 min
